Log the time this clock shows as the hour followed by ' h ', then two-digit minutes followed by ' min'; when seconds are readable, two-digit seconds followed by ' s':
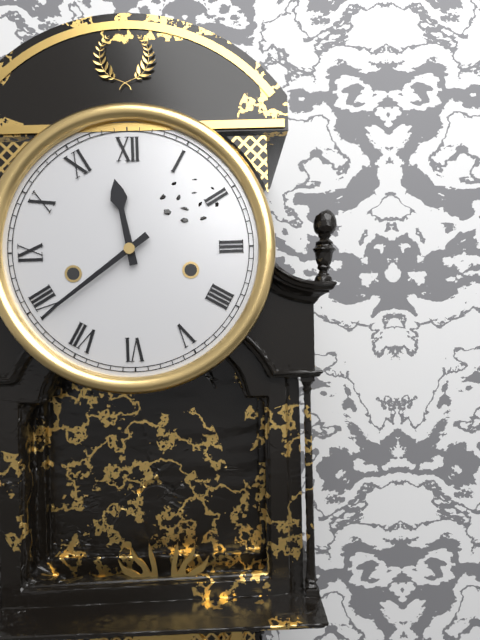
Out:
11 h 39 min
